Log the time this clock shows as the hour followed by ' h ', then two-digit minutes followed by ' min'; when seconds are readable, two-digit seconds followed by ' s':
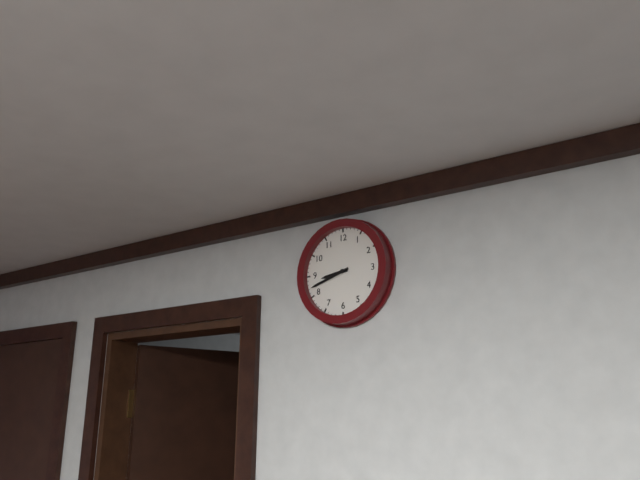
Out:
8 h 42 min
